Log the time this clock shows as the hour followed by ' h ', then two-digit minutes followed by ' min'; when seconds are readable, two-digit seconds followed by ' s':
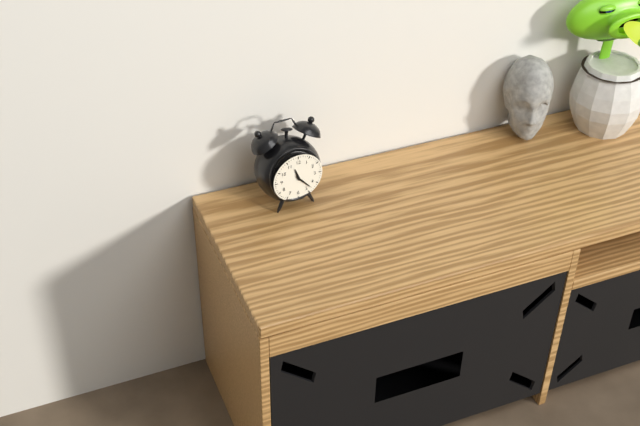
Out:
11 h 23 min
